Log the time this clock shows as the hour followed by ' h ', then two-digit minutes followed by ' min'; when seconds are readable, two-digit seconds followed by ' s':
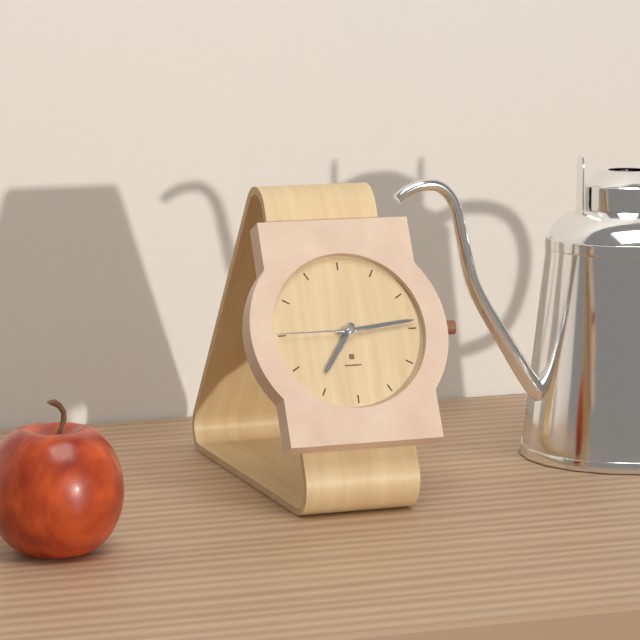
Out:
7 h 14 min 45 s
